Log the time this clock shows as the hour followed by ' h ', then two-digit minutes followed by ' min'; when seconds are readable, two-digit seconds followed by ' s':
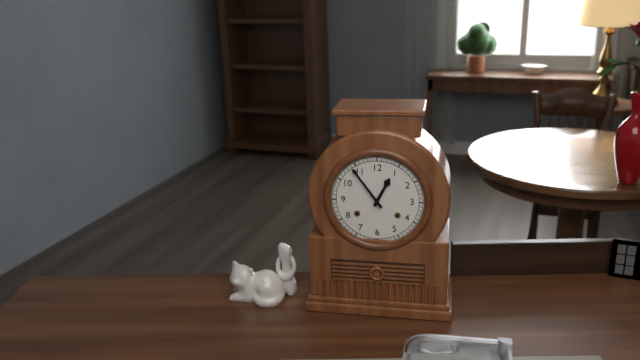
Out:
12 h 54 min
